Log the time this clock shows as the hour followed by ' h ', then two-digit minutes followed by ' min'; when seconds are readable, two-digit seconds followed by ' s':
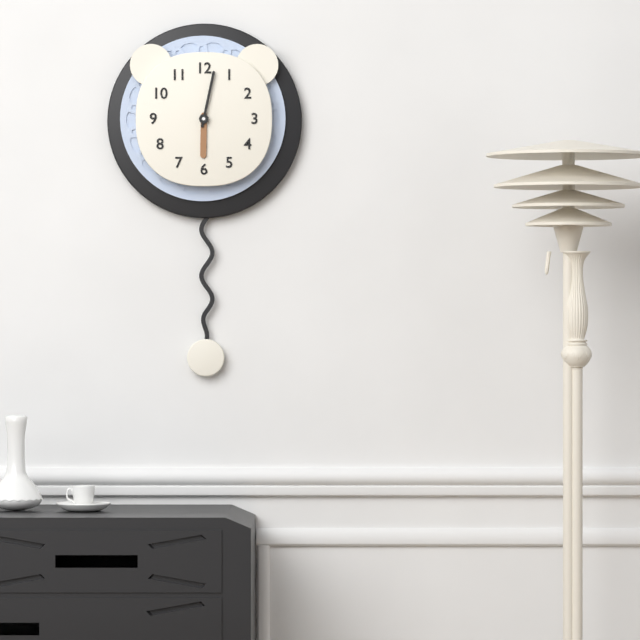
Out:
6 h 02 min
